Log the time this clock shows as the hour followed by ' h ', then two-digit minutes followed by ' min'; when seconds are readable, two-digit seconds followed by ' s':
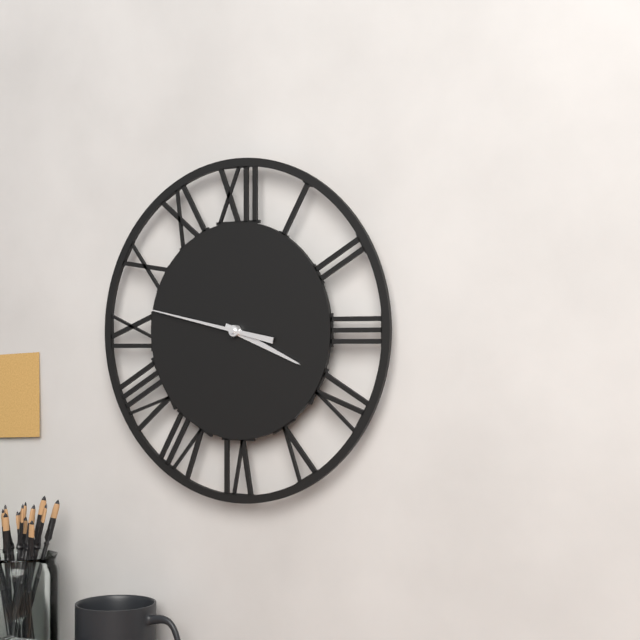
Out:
3 h 47 min
